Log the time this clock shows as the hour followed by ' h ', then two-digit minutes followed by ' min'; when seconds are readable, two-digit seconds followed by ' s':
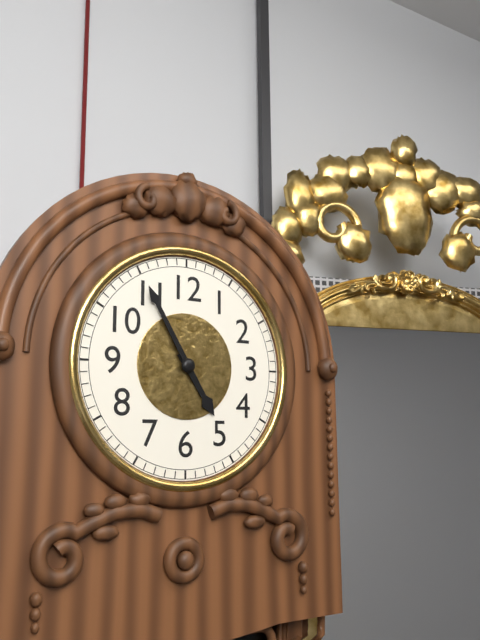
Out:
4 h 55 min
